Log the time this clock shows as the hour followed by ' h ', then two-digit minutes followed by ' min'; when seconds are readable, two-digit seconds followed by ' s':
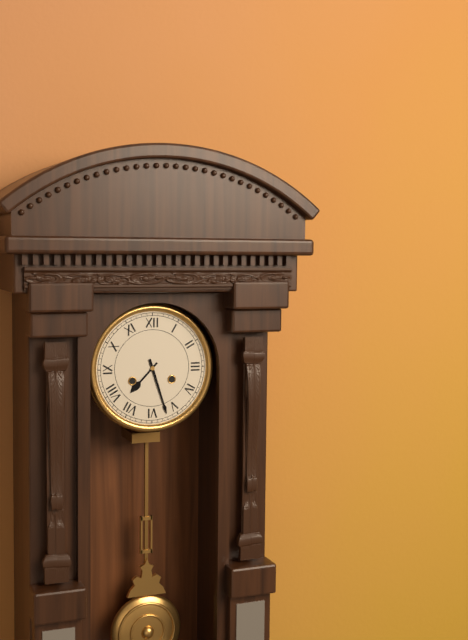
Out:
7 h 27 min
